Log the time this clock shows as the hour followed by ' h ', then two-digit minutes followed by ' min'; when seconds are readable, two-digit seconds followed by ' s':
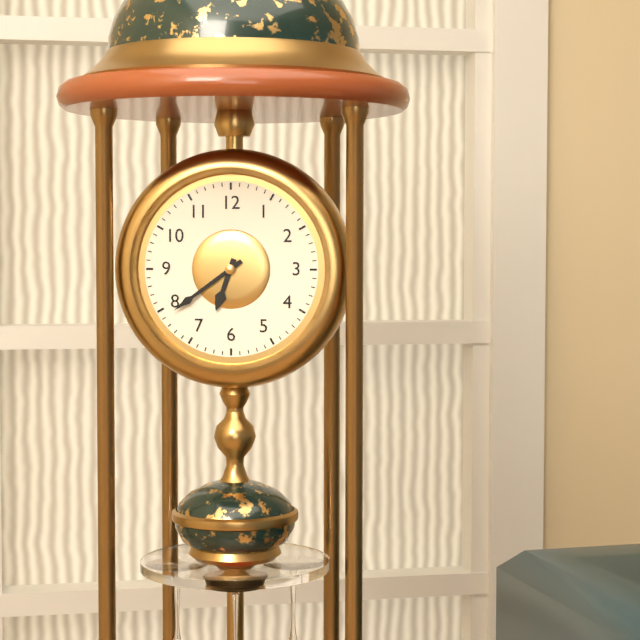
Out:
6 h 39 min
